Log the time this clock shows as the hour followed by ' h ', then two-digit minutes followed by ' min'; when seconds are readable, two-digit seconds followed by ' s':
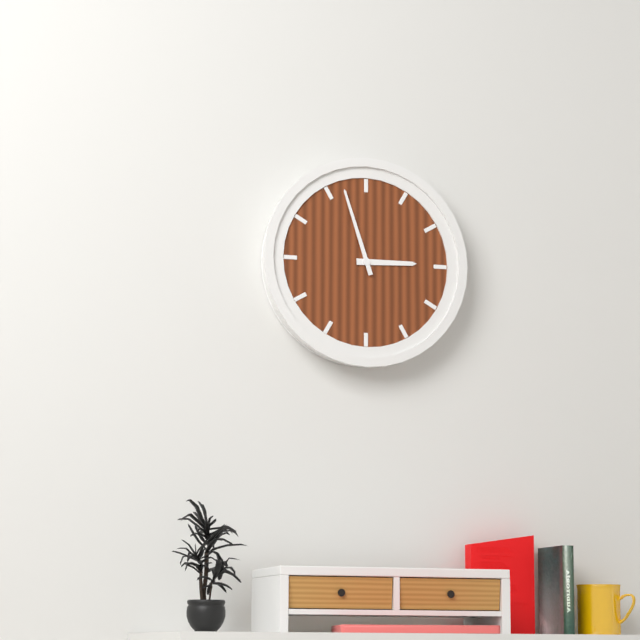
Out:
2 h 57 min
